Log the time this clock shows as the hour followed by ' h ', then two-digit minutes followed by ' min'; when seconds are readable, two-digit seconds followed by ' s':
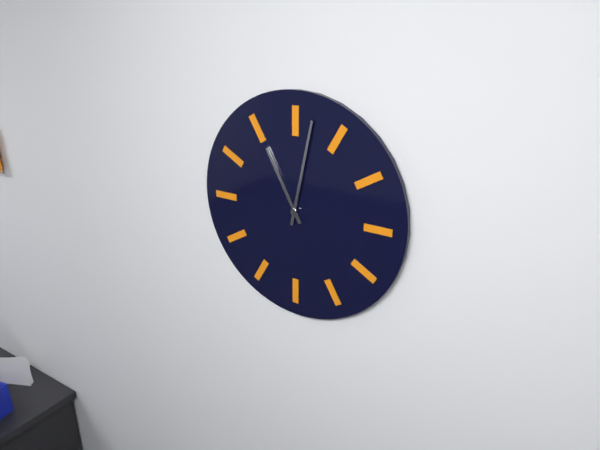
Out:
11 h 02 min
